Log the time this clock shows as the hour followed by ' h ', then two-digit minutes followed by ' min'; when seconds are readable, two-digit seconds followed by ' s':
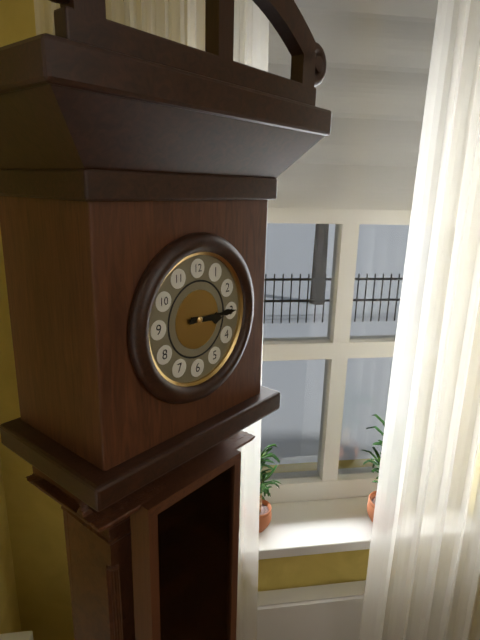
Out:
3 h 15 min
